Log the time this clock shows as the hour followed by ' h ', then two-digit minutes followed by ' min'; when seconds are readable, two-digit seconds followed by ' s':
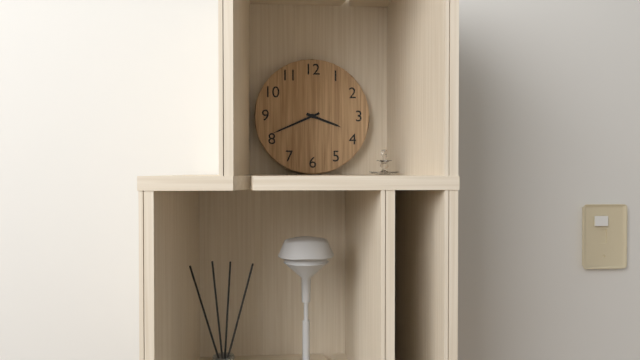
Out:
3 h 41 min
